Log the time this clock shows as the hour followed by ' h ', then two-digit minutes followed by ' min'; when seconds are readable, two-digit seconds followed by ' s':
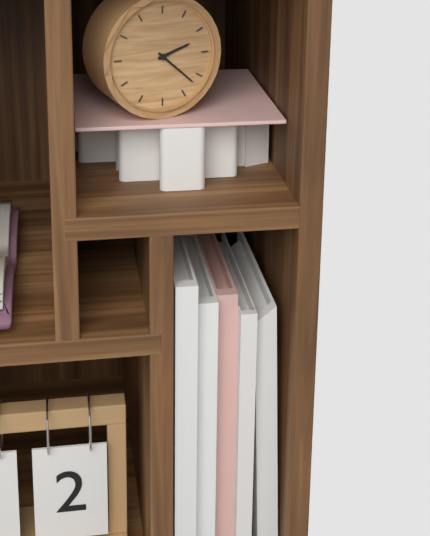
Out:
2 h 22 min
